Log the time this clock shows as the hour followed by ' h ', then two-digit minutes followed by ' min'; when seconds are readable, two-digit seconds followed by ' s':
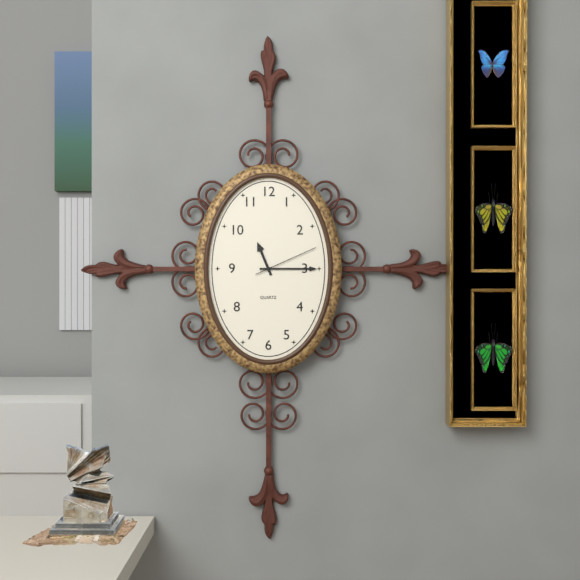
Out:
11 h 15 min 11 s
